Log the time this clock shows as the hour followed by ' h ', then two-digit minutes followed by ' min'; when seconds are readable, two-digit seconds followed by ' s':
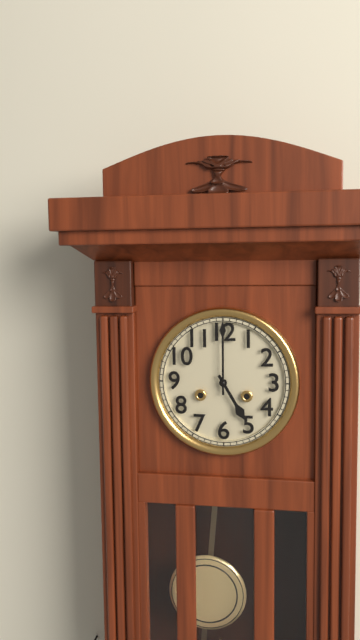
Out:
5 h 00 min
